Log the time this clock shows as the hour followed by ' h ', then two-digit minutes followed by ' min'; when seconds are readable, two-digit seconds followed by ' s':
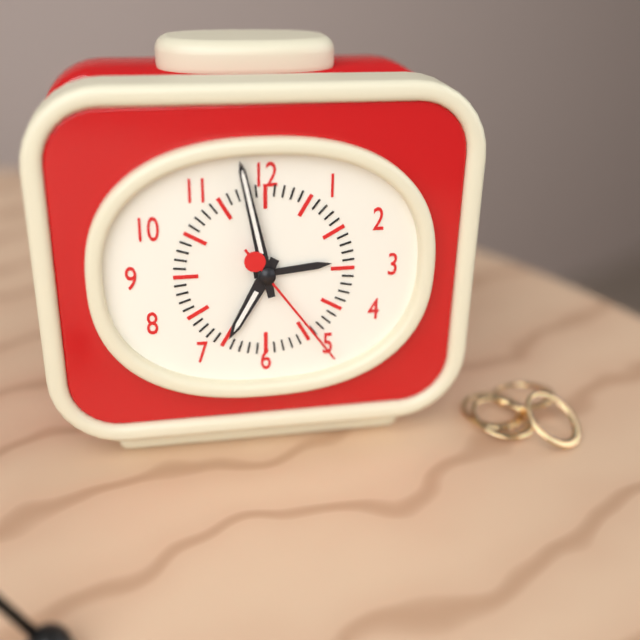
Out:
6 h 58 min 24 s
